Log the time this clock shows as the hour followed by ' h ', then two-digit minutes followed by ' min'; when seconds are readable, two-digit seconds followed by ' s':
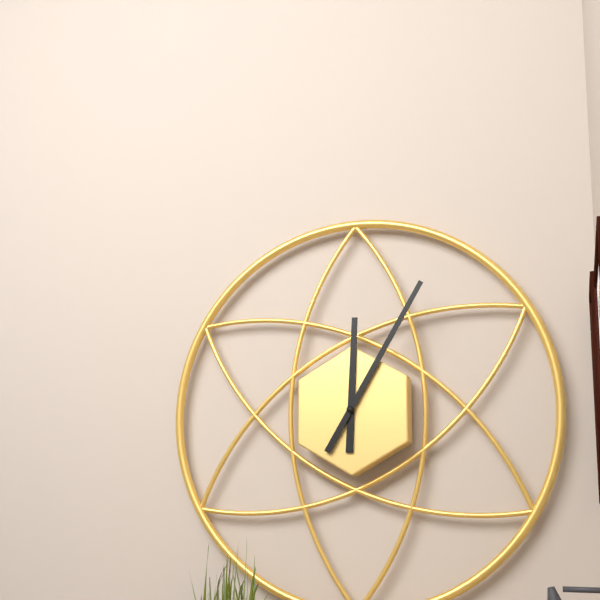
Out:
12 h 05 min
